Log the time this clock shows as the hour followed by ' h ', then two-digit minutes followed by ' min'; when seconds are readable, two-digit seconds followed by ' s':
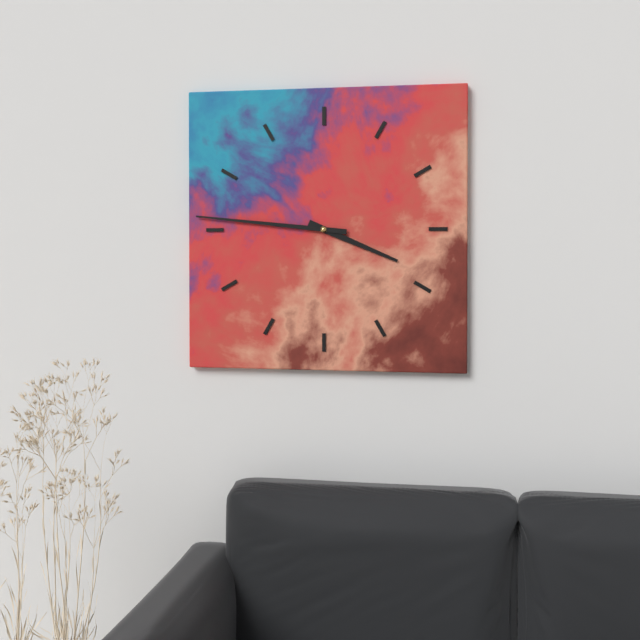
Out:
3 h 46 min
